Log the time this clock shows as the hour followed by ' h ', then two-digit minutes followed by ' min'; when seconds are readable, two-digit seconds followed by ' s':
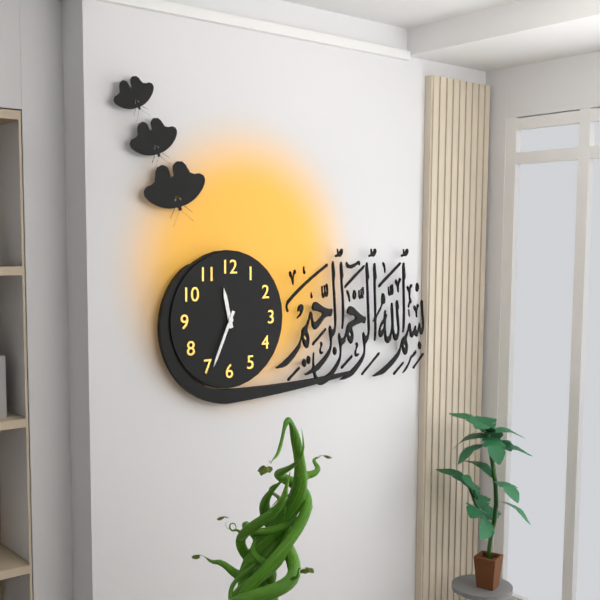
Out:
11 h 34 min
